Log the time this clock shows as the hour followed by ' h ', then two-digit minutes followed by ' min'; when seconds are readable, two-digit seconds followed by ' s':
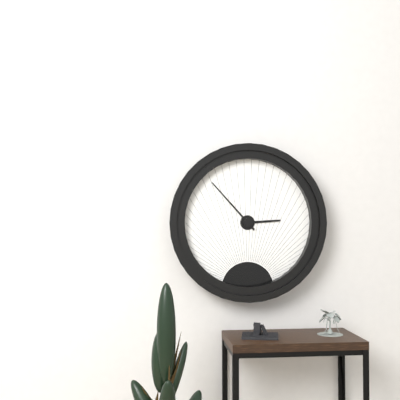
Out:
2 h 53 min
